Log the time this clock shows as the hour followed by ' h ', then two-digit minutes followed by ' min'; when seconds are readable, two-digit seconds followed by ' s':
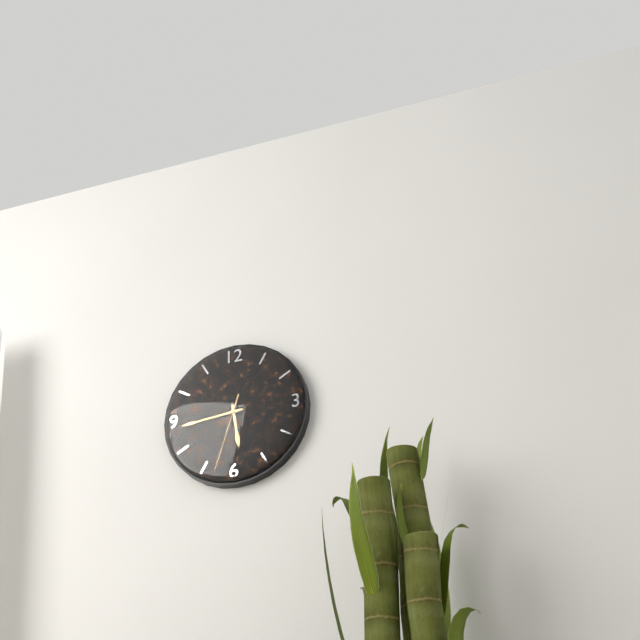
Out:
5 h 44 min 33 s
